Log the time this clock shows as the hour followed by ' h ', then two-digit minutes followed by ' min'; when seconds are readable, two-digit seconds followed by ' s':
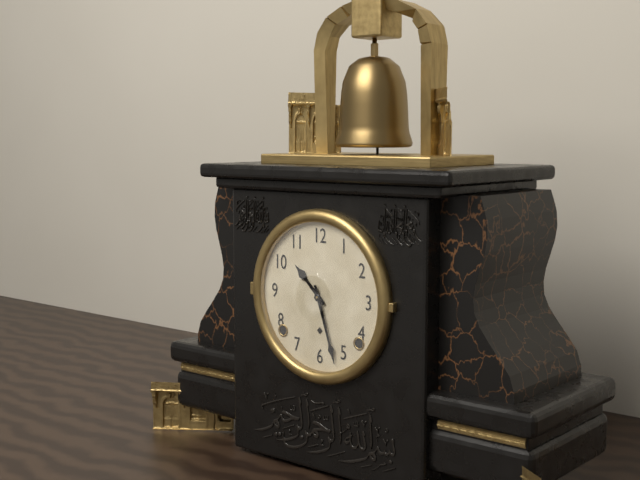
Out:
10 h 27 min
